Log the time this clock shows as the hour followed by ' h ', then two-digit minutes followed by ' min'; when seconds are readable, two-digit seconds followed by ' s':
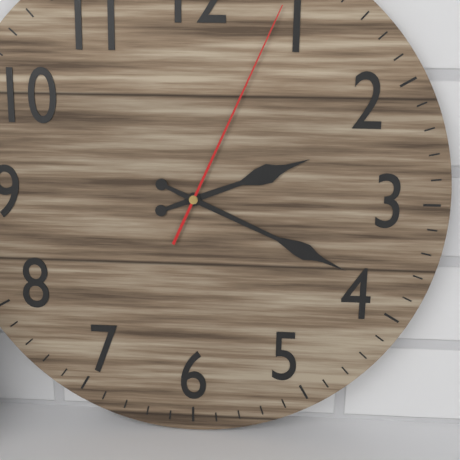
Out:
2 h 19 min 04 s
